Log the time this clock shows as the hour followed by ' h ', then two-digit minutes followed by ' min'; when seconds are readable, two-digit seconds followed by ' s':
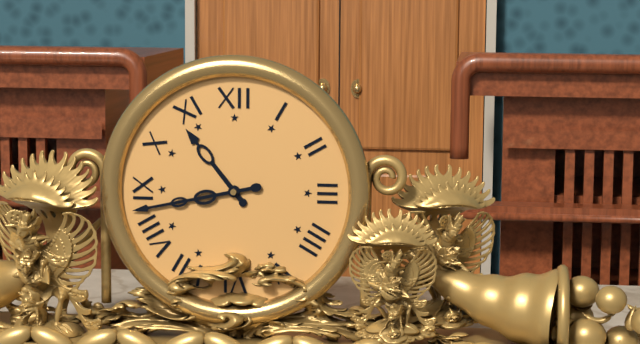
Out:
10 h 43 min
